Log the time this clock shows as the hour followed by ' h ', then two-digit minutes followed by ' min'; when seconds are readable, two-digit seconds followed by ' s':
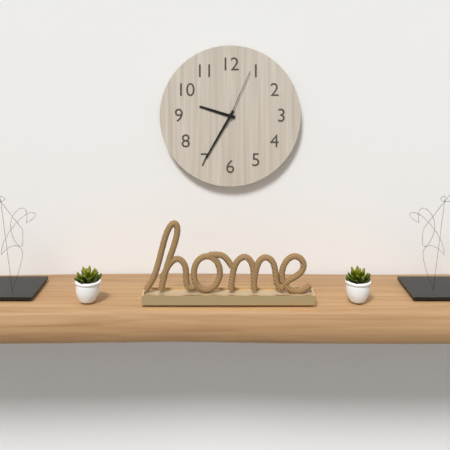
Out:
9 h 35 min 04 s
